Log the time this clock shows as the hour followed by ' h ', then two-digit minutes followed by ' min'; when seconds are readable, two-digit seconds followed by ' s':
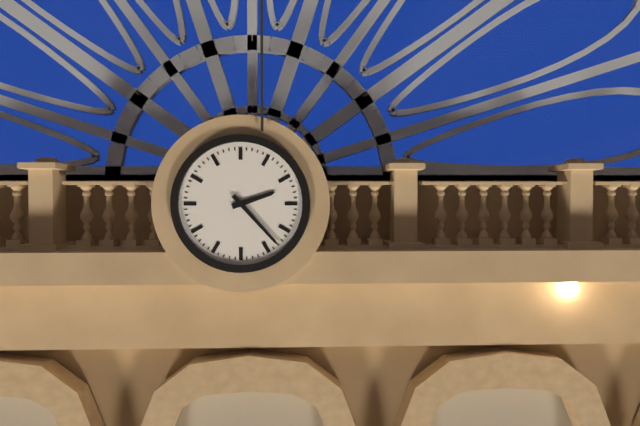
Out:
2 h 23 min
